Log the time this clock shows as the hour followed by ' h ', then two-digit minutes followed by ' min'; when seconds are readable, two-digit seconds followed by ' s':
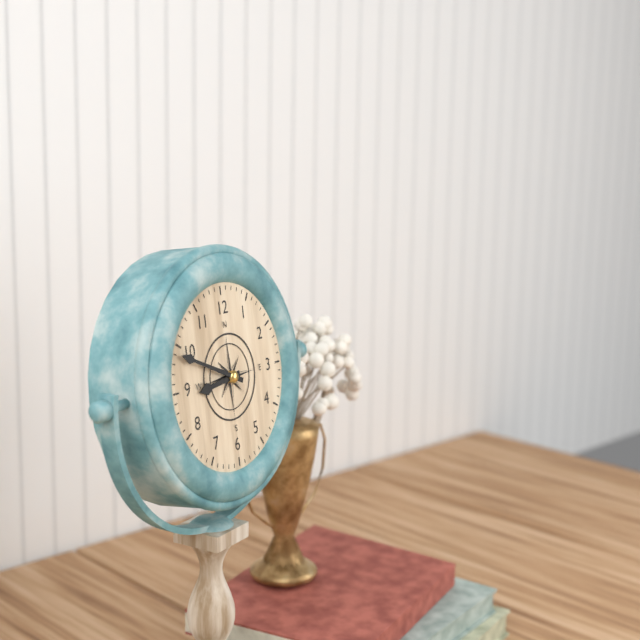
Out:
8 h 49 min
